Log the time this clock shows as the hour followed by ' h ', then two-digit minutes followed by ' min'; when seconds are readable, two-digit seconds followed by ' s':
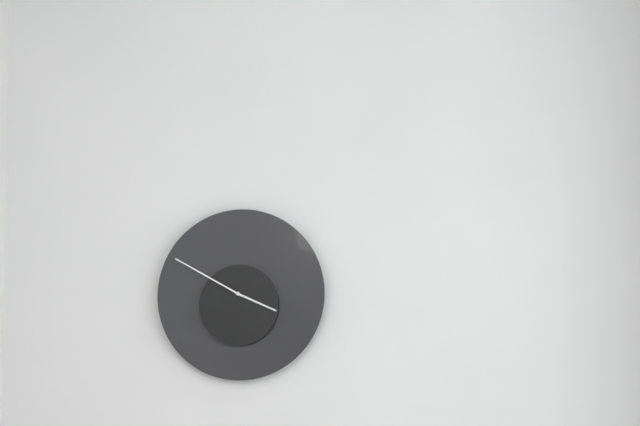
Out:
3 h 50 min
